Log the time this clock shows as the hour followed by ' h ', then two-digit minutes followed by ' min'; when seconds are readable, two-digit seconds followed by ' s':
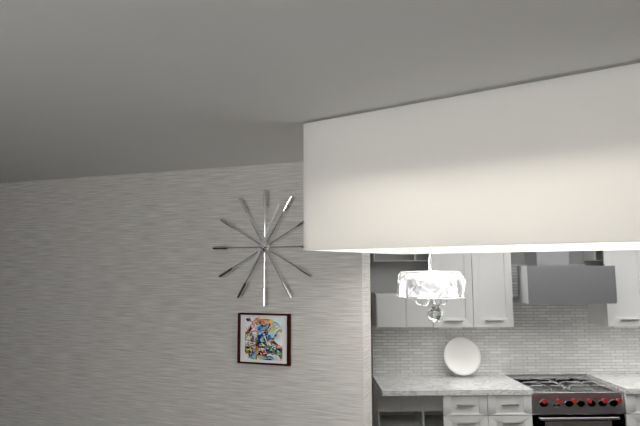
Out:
7 h 04 min
